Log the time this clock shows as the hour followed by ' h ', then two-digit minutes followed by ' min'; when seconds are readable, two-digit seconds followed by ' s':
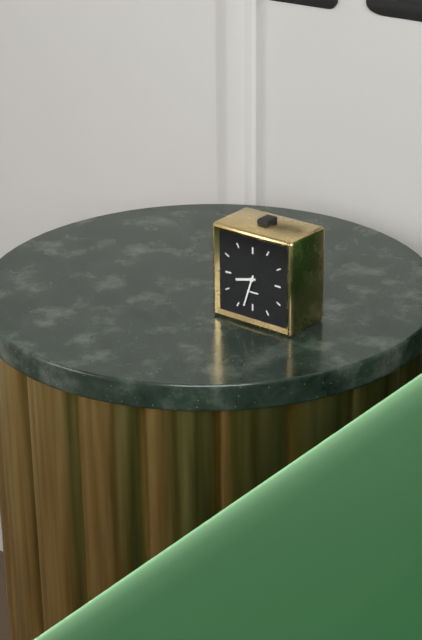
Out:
8 h 33 min
